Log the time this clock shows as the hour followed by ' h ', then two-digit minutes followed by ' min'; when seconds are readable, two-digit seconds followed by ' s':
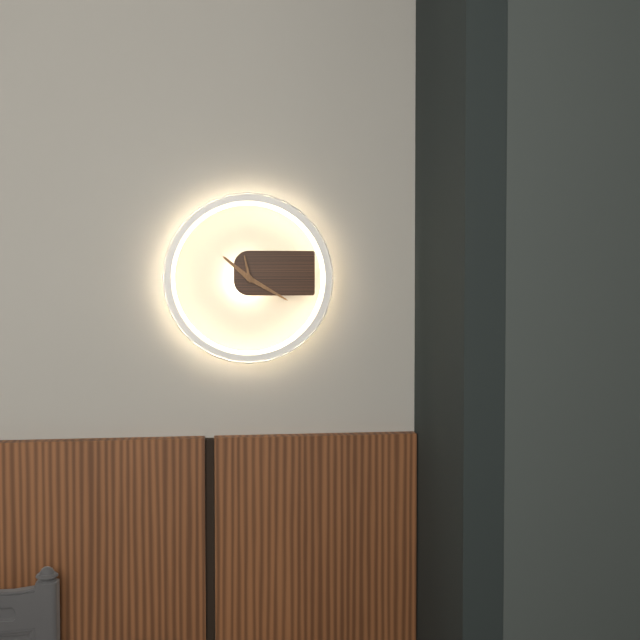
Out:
10 h 20 min
